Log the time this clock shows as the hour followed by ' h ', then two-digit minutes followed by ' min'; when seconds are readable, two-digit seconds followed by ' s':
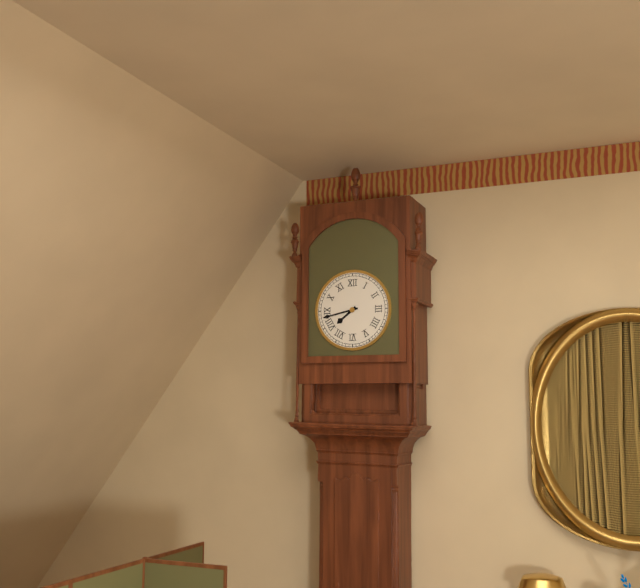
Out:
7 h 43 min
